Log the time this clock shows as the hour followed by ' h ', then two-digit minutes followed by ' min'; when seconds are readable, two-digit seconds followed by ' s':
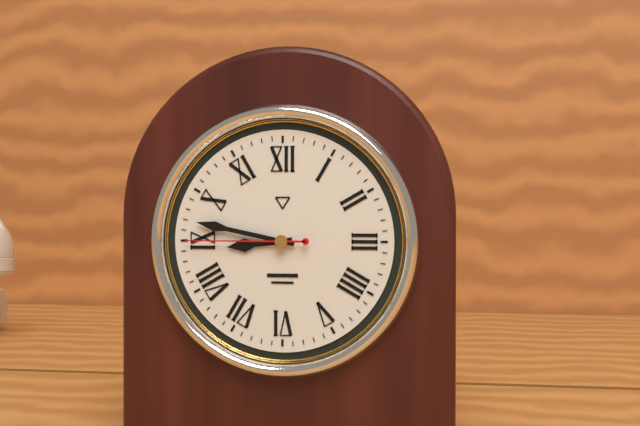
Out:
8 h 47 min 45 s
